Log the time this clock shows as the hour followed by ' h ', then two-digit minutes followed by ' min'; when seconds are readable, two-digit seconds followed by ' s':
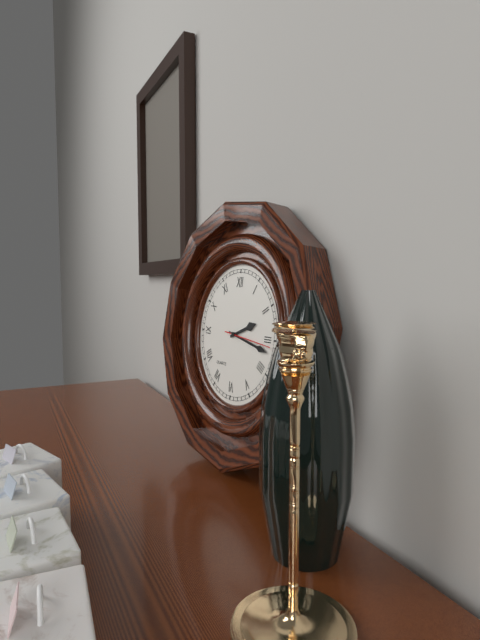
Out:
2 h 17 min
